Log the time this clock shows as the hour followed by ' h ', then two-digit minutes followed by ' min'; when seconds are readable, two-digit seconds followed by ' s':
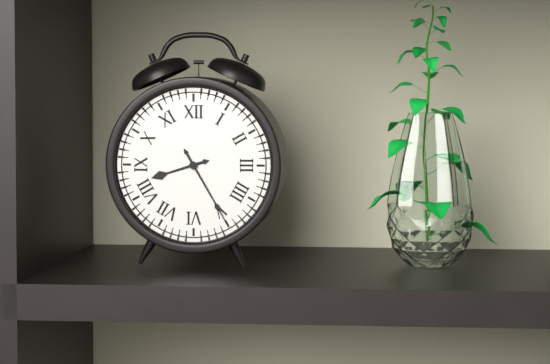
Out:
8 h 25 min
